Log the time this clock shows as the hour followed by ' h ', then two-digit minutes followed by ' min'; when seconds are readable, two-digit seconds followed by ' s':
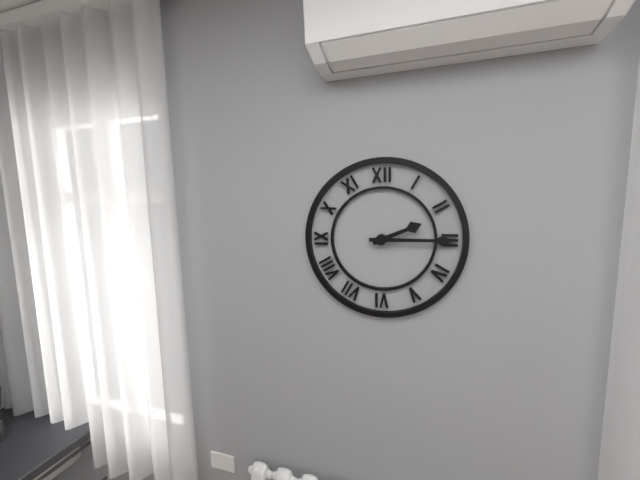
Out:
2 h 15 min
